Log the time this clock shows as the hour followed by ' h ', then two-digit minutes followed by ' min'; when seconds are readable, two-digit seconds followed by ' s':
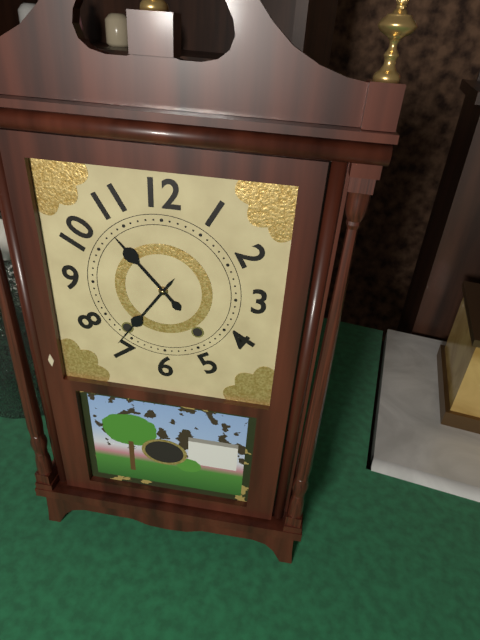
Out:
10 h 36 min
